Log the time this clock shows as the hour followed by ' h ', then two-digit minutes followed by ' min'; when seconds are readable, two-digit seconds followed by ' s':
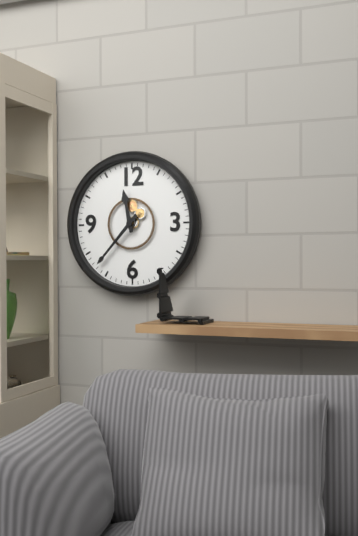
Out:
11 h 37 min
